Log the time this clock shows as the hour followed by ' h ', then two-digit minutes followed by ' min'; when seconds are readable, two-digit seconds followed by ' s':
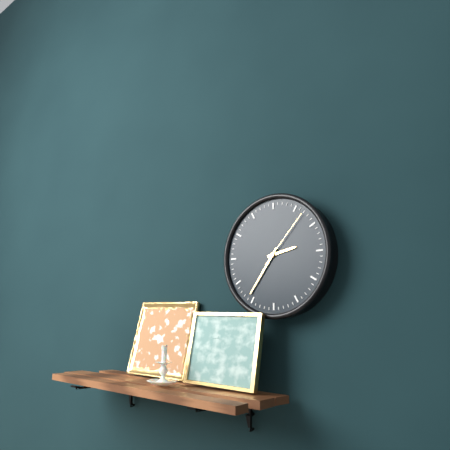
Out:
2 h 36 min 07 s
